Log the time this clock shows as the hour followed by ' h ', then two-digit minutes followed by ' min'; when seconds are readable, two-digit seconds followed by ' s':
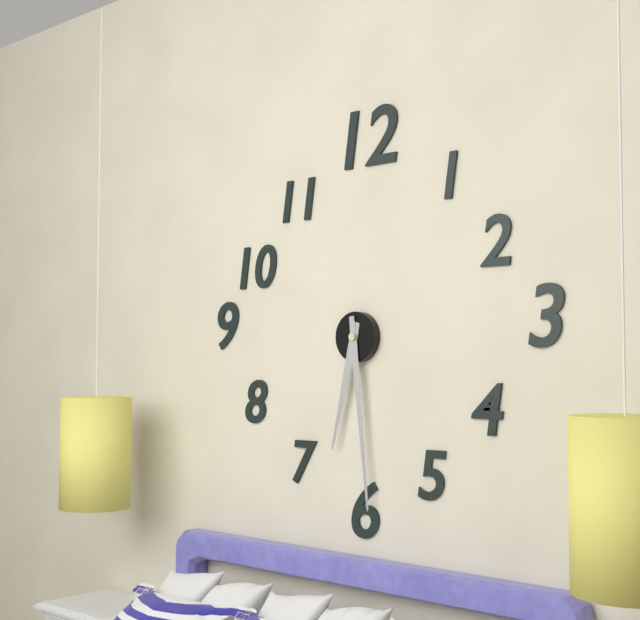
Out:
6 h 29 min
